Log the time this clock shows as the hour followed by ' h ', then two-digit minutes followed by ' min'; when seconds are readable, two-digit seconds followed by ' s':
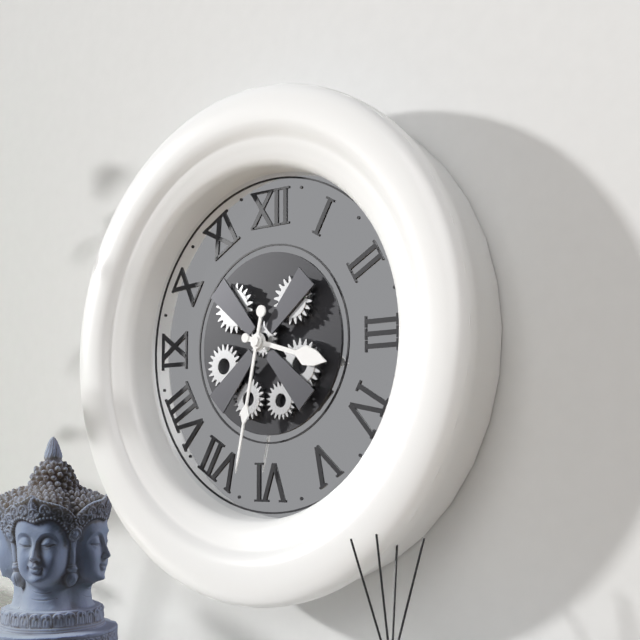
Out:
3 h 32 min
